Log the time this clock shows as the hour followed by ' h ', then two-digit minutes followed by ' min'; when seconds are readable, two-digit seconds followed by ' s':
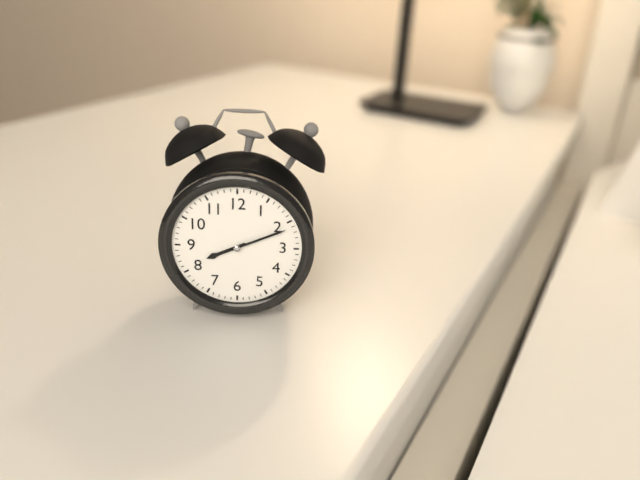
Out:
8 h 11 min
